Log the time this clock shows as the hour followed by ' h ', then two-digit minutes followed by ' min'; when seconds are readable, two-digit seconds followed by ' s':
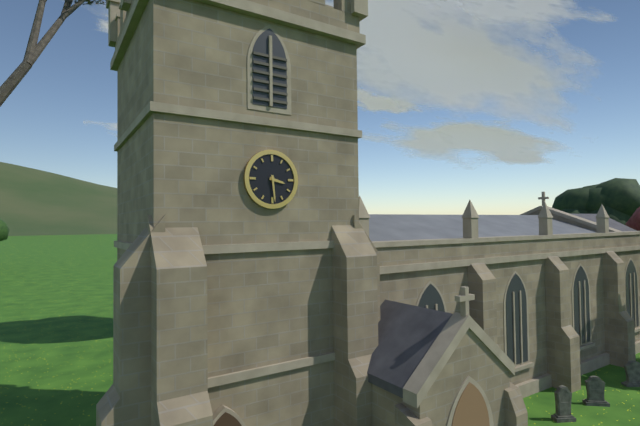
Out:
3 h 29 min
